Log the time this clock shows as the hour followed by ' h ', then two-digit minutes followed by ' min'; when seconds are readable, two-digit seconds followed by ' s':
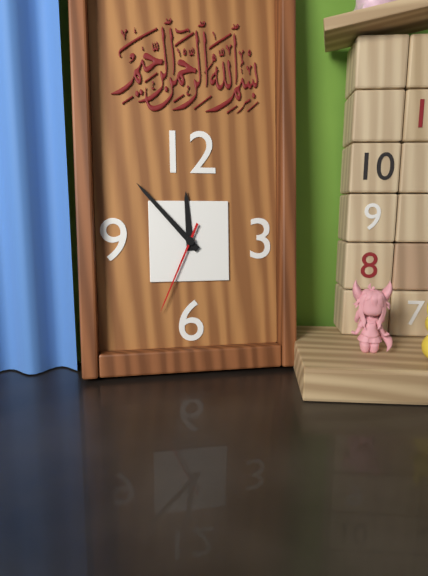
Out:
11 h 53 min 34 s
